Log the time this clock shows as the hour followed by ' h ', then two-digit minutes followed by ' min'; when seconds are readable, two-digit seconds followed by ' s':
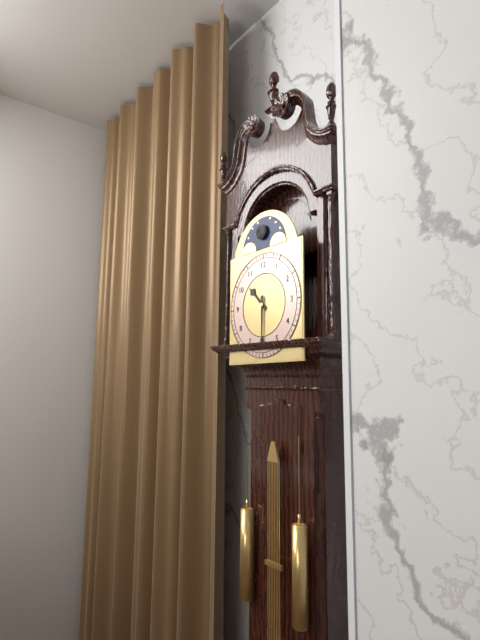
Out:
10 h 30 min
